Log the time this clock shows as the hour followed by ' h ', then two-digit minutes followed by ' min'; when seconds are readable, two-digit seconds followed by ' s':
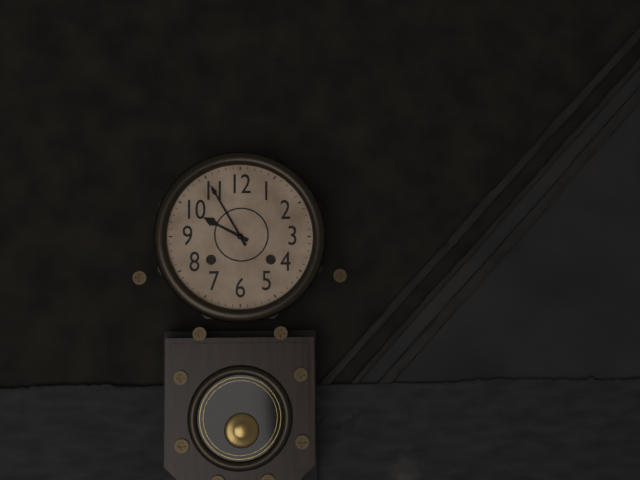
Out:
9 h 55 min
